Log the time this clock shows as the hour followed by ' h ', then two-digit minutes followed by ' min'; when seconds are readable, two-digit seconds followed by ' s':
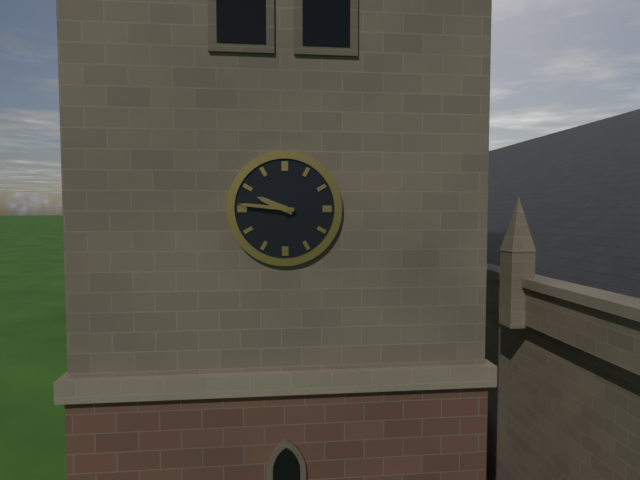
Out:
9 h 46 min
